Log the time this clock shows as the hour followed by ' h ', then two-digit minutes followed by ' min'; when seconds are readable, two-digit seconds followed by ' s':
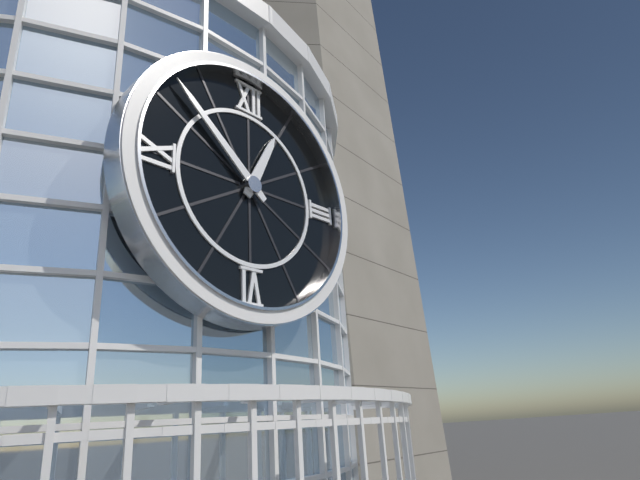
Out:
12 h 52 min
